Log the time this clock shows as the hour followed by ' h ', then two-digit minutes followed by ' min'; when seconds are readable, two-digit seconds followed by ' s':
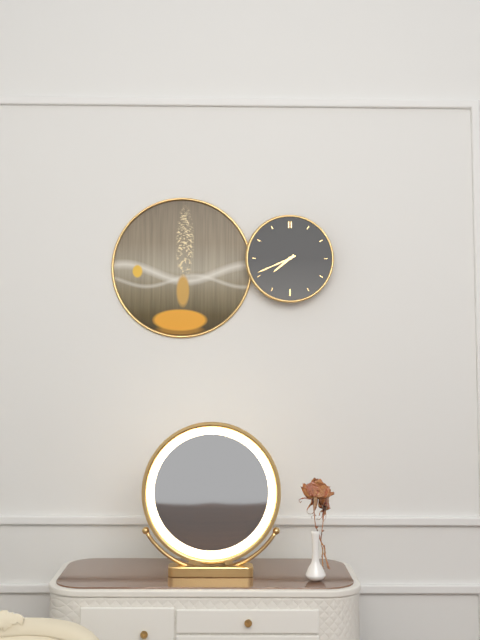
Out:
7 h 41 min
